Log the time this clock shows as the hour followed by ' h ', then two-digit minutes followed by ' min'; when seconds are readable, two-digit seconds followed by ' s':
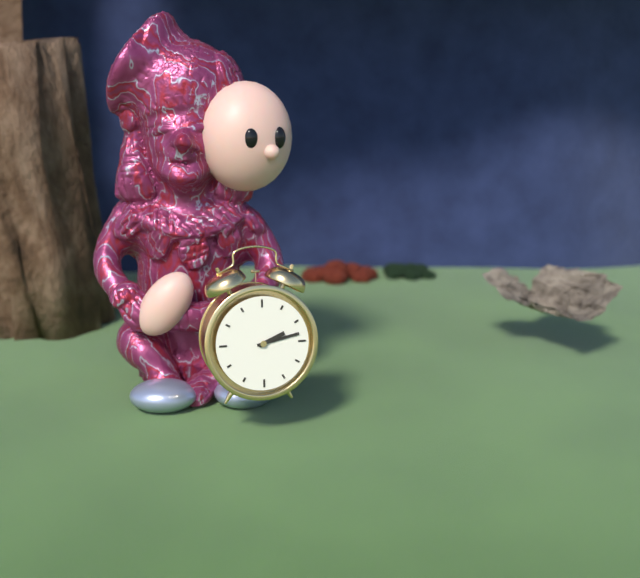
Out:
2 h 13 min
